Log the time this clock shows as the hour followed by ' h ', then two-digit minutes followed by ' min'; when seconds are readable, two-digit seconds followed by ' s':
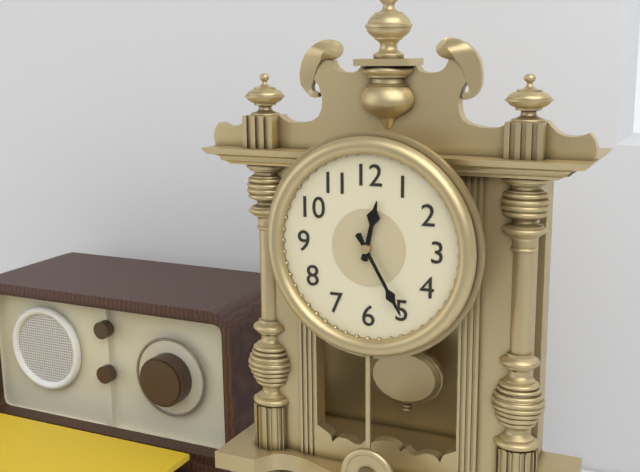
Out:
12 h 25 min
